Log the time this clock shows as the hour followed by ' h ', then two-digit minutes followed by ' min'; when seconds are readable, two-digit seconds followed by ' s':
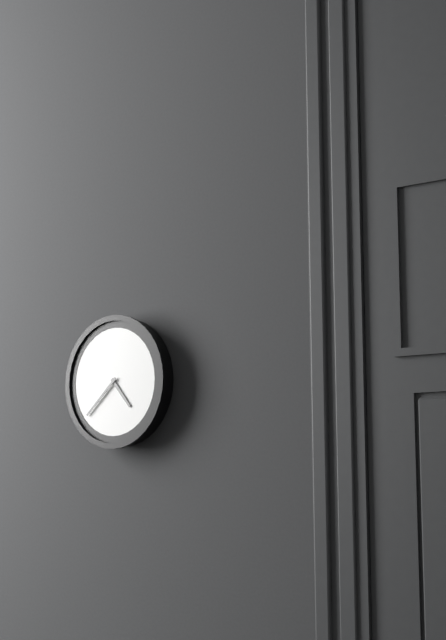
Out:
4 h 38 min
